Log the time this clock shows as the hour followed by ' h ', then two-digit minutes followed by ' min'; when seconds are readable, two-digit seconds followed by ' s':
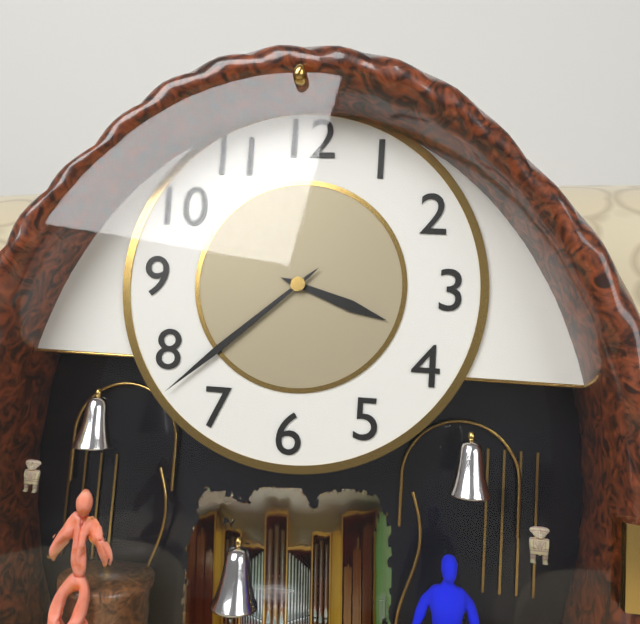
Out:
3 h 38 min
